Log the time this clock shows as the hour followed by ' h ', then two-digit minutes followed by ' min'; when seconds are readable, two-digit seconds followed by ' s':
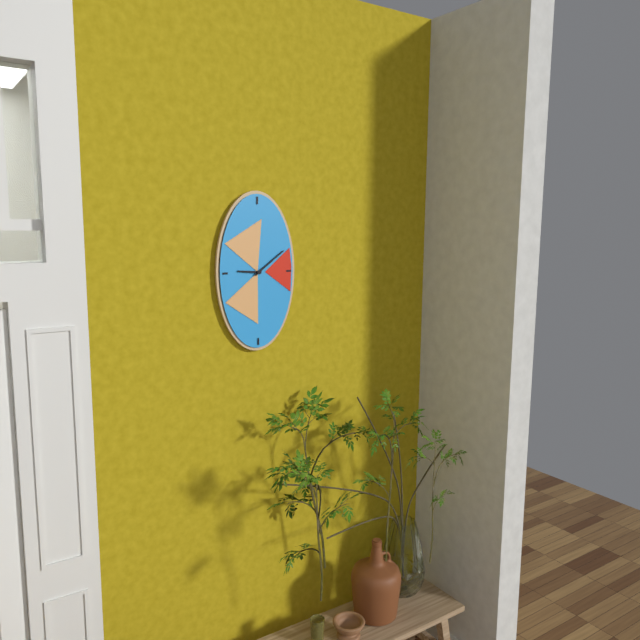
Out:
9 h 09 min
